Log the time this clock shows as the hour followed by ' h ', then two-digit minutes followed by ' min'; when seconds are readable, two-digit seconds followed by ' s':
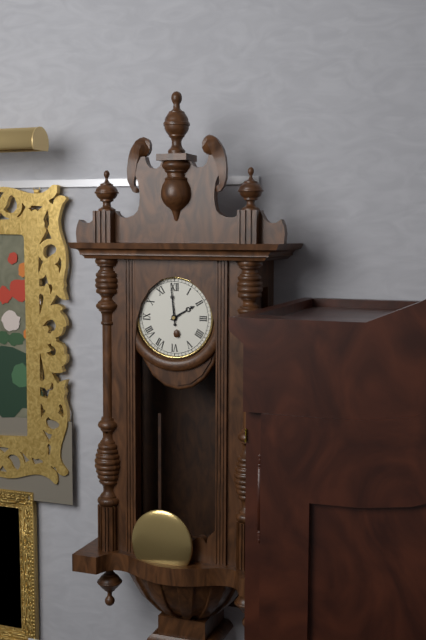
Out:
1 h 59 min
